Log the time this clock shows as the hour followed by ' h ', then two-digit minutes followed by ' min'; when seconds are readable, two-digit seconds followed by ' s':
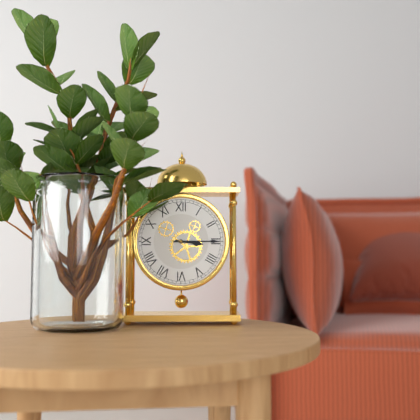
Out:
3 h 15 min
